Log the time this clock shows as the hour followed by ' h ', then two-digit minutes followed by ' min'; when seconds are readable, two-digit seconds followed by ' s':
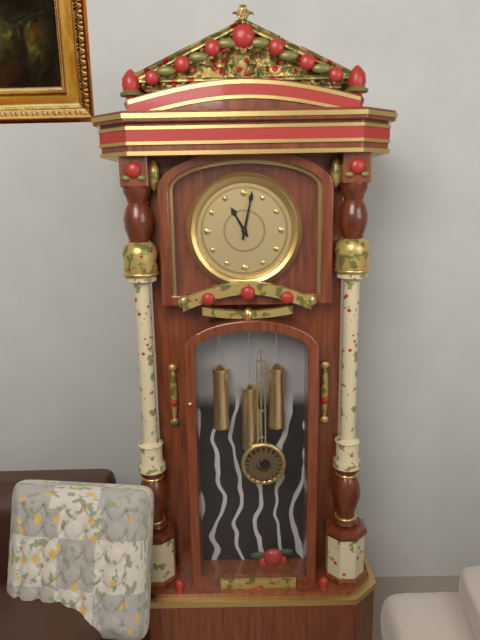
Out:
11 h 02 min
